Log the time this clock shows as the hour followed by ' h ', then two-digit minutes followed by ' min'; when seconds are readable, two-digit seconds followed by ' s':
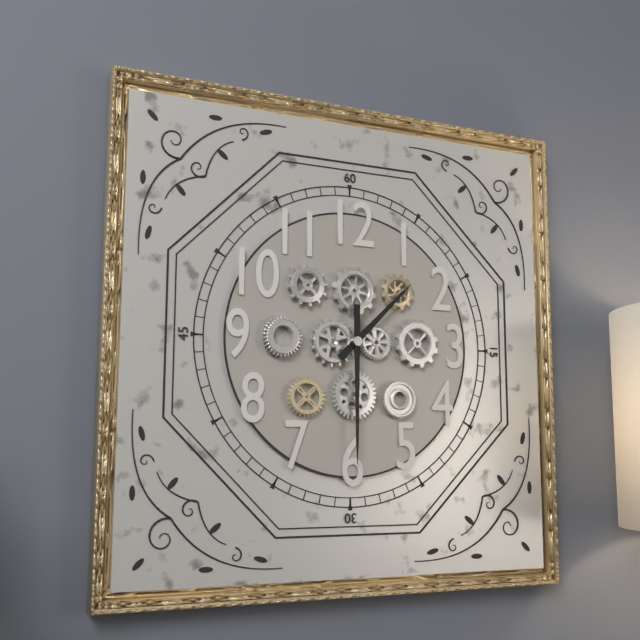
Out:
1 h 30 min
